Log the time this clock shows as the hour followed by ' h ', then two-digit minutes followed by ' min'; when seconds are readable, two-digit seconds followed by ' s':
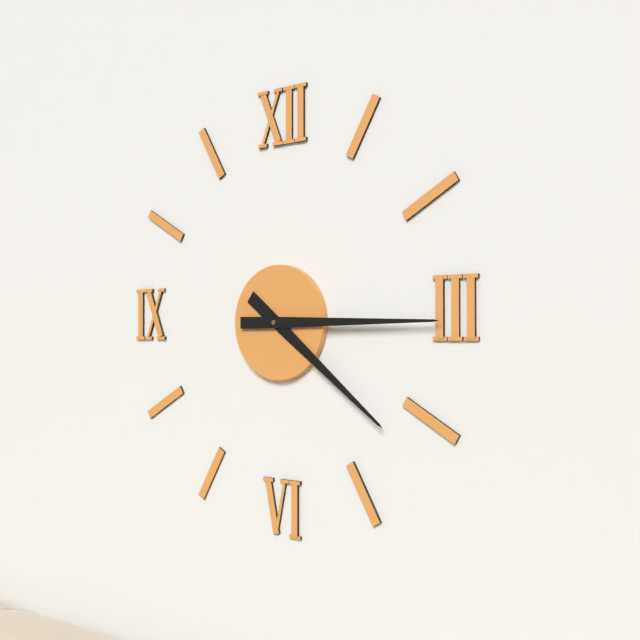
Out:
4 h 15 min
